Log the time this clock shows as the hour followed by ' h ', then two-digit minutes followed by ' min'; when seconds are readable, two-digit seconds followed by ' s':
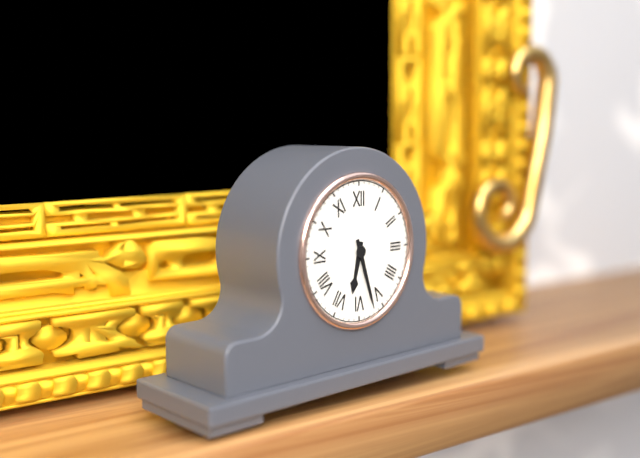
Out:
6 h 27 min
